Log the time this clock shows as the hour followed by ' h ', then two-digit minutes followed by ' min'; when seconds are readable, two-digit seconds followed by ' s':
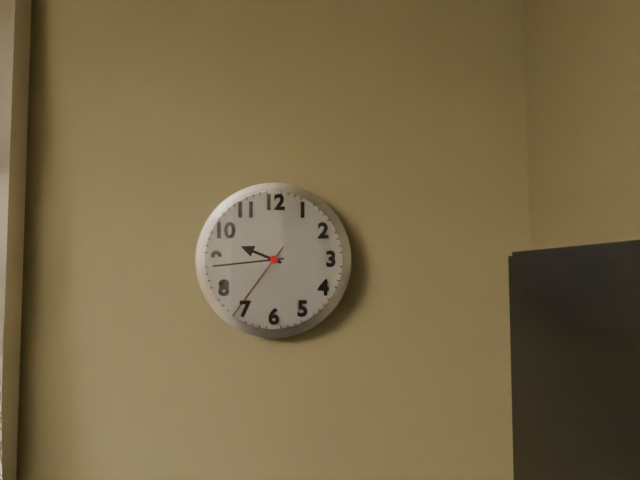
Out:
9 h 44 min 36 s
